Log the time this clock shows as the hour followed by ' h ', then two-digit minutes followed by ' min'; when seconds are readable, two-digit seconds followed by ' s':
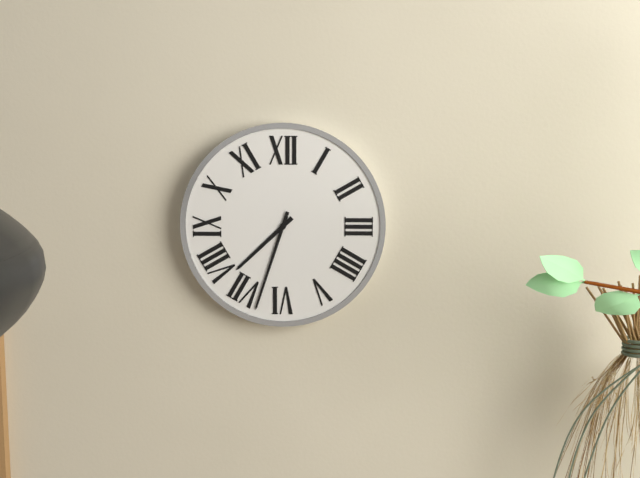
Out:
7 h 33 min
